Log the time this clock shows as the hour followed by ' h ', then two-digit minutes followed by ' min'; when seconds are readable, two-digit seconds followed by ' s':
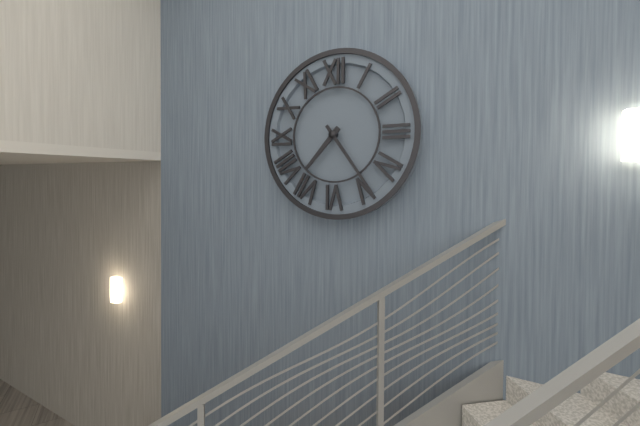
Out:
7 h 24 min
